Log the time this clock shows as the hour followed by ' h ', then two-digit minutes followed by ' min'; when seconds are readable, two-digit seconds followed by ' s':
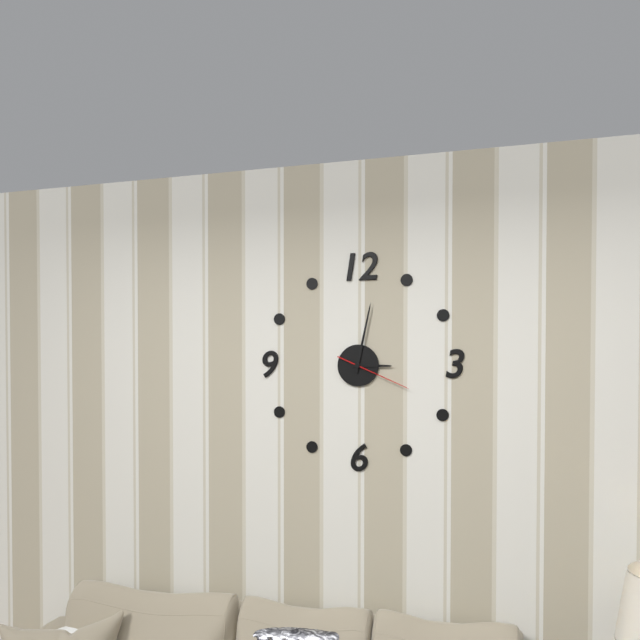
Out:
3 h 02 min 19 s
